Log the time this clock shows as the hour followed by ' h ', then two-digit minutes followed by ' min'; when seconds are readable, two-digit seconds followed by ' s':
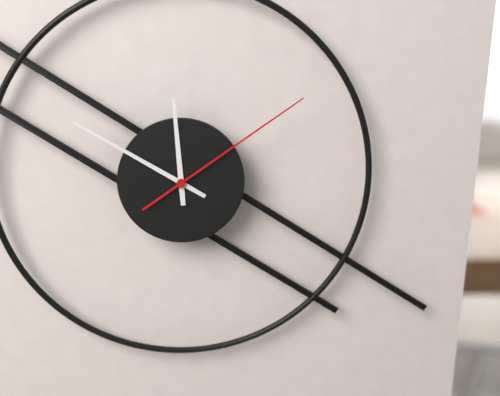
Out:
11 h 50 min 09 s
